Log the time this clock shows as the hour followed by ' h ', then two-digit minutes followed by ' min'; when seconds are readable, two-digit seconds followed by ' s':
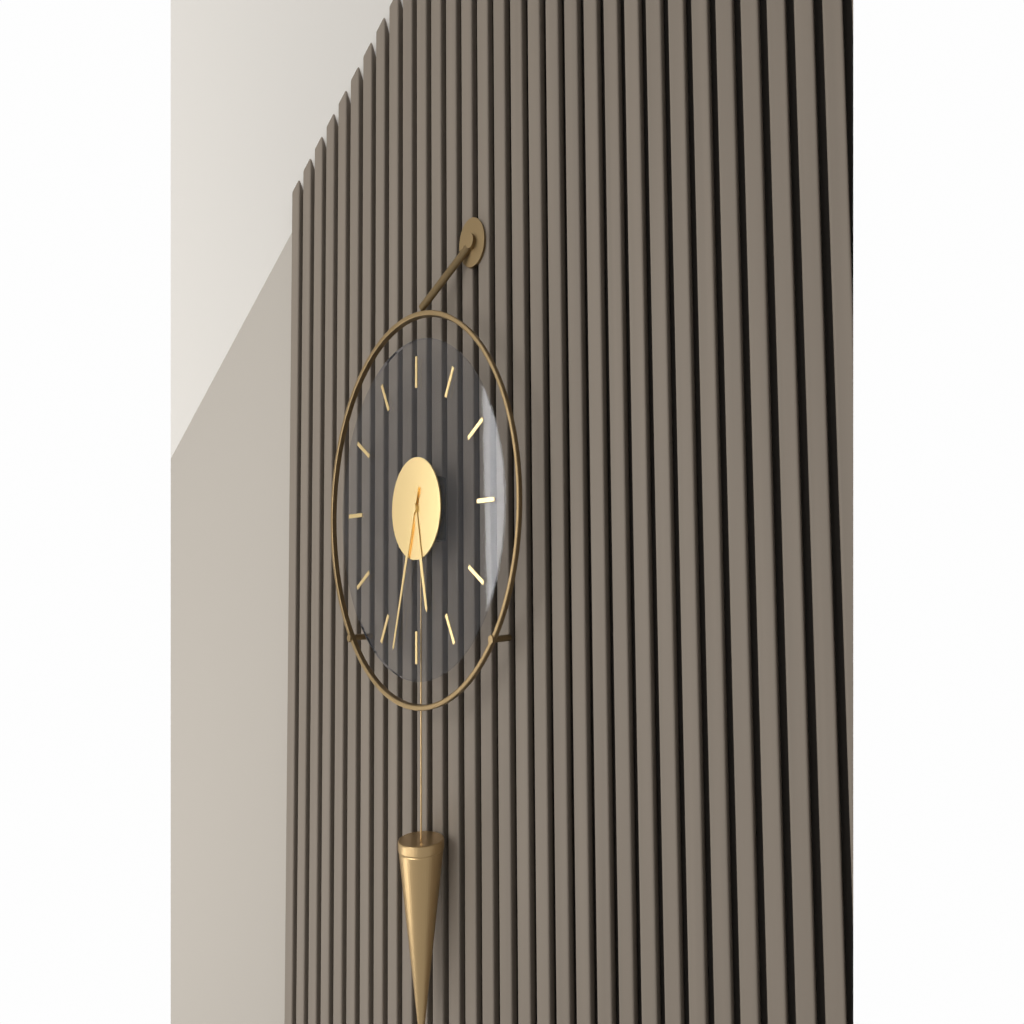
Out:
5 h 33 min
